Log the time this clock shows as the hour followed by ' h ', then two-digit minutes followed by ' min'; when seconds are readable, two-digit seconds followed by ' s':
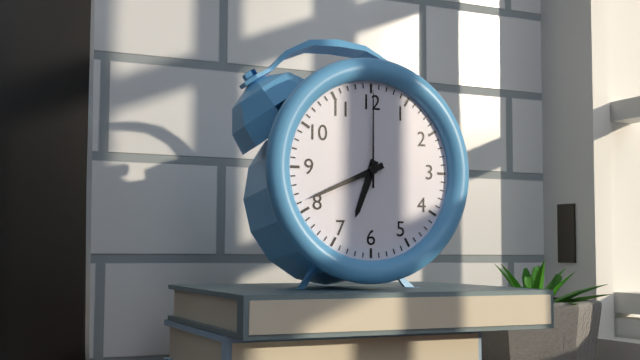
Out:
6 h 41 min 00 s
